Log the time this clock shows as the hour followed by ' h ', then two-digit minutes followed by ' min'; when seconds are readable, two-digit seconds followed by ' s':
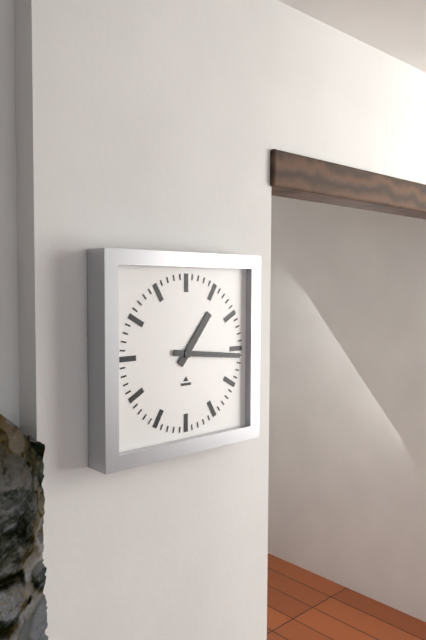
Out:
1 h 16 min
